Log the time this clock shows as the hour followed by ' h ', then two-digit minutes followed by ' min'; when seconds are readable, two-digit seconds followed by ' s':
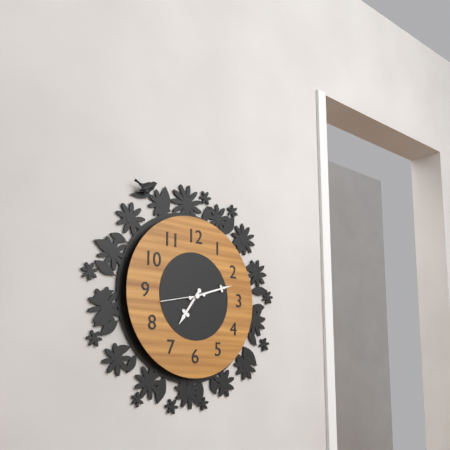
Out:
7 h 12 min
